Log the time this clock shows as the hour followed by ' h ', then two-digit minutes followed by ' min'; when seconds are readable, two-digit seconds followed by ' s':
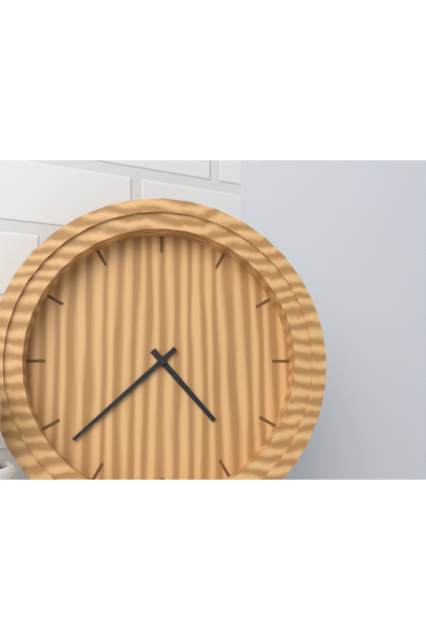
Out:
4 h 38 min
